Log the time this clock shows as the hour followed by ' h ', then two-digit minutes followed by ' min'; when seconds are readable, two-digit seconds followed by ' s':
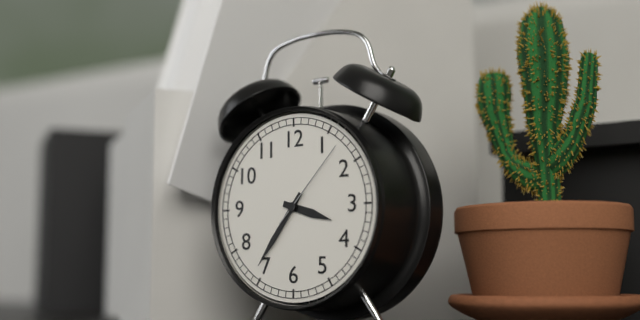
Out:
3 h 36 min 07 s
